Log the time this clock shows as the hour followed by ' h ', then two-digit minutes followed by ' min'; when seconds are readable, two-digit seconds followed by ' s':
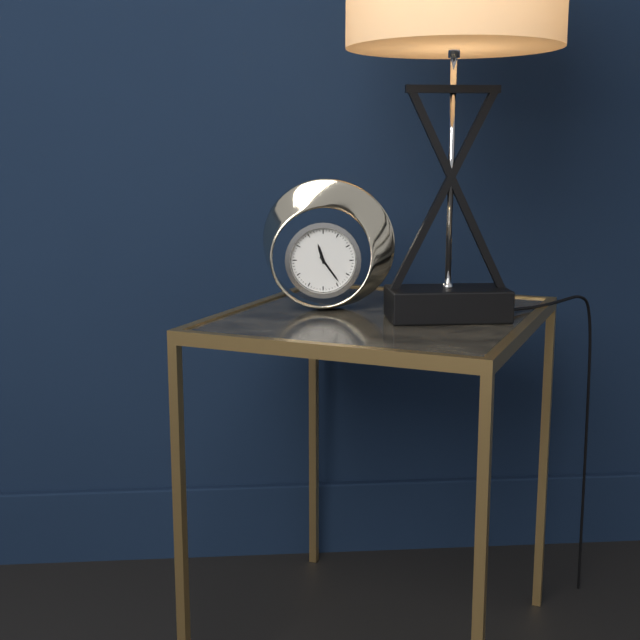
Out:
11 h 24 min
